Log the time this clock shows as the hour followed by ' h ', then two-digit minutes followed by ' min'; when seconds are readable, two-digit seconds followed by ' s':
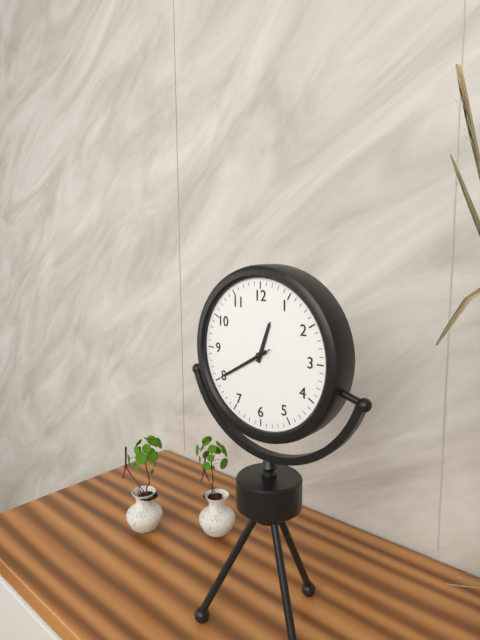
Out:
12 h 40 min 40 s
